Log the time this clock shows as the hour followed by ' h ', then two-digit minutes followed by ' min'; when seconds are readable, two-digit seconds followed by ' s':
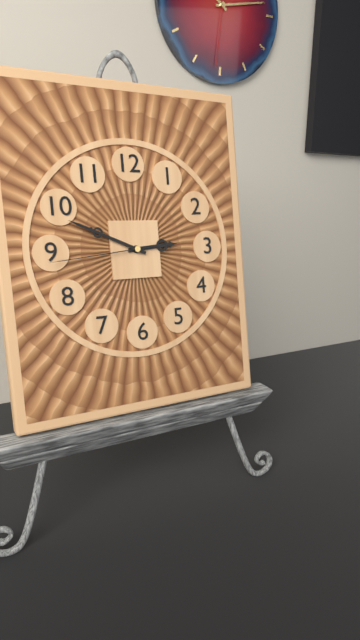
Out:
2 h 49 min 44 s
